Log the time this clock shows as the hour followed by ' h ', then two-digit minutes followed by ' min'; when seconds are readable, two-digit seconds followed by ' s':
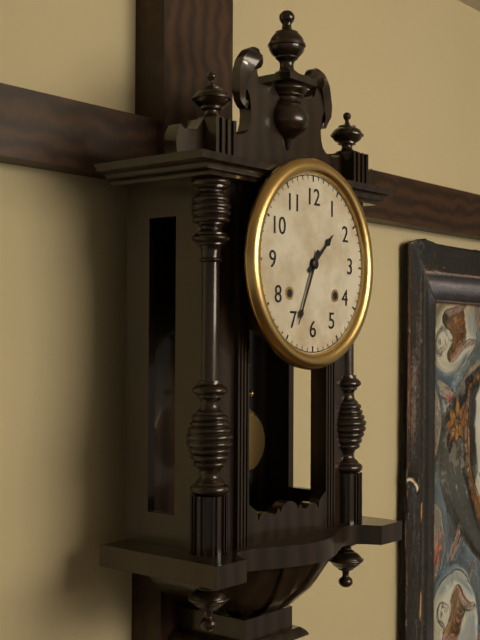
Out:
1 h 34 min
